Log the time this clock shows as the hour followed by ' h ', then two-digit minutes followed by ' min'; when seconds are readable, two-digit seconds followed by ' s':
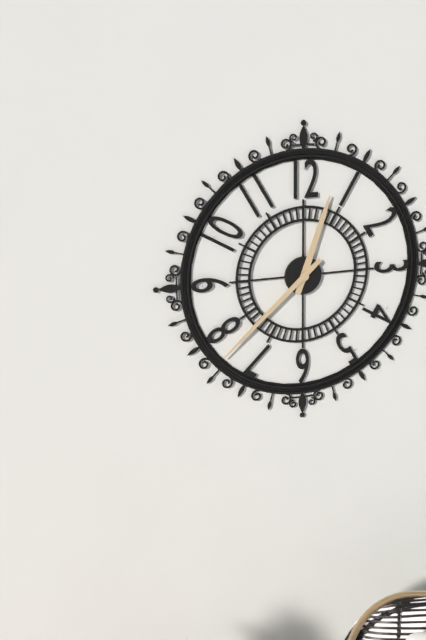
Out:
12 h 38 min
